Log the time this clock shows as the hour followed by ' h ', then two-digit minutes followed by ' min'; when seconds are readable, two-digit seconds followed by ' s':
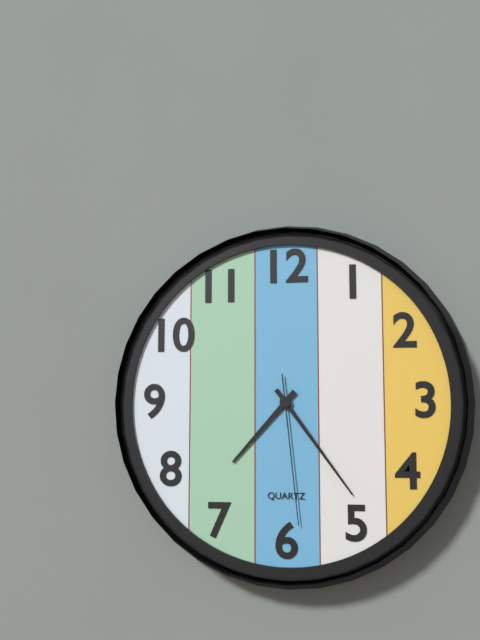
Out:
7 h 24 min 29 s
